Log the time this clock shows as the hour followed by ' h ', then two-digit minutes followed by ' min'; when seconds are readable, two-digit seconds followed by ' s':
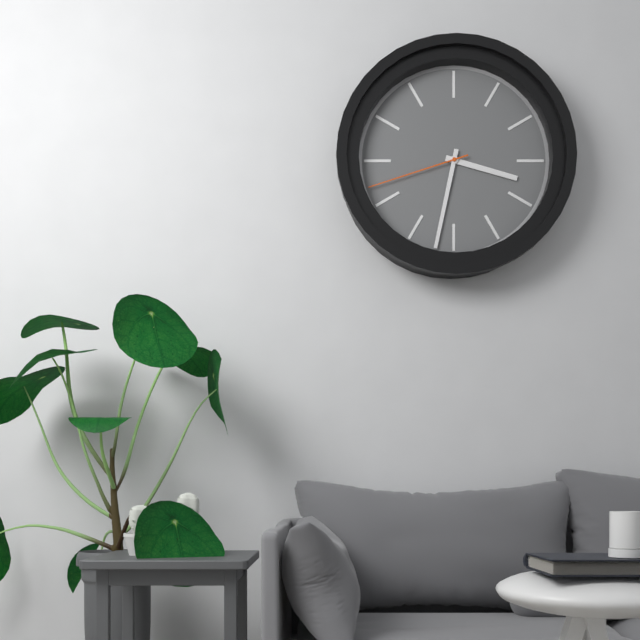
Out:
3 h 32 min 42 s
